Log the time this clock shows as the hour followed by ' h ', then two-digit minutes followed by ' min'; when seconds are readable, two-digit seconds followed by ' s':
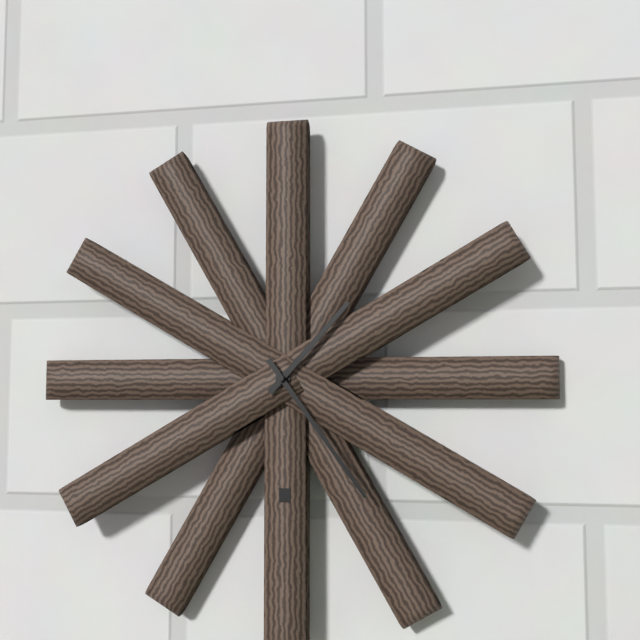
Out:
1 h 24 min
